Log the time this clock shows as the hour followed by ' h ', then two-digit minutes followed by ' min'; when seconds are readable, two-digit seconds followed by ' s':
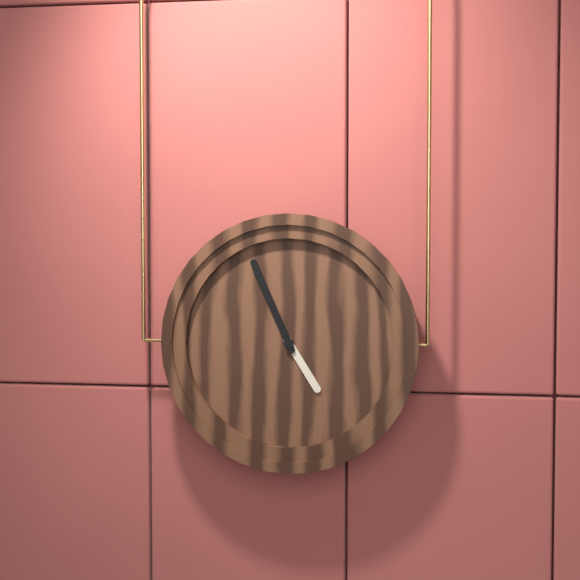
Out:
4 h 56 min
